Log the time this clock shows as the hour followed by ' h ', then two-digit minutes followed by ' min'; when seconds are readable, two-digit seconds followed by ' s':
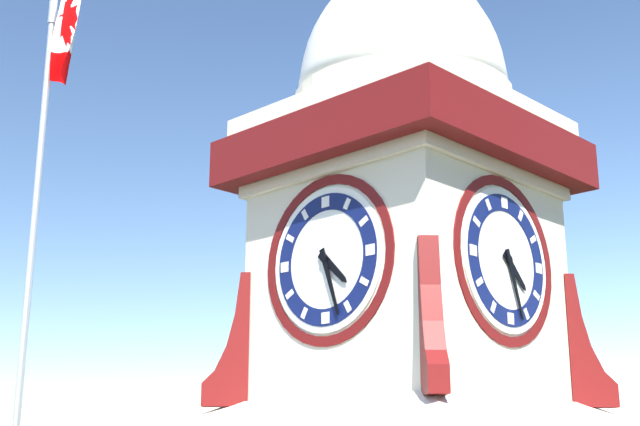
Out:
4 h 27 min
